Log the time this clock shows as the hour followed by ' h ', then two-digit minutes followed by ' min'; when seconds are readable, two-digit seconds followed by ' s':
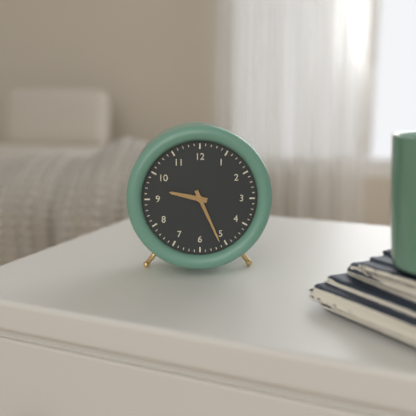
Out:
9 h 26 min
